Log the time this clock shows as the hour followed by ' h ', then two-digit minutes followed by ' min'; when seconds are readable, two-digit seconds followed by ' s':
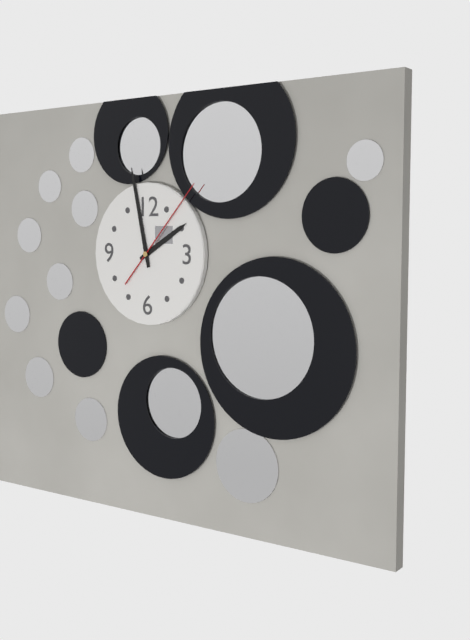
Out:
1 h 58 min 07 s
